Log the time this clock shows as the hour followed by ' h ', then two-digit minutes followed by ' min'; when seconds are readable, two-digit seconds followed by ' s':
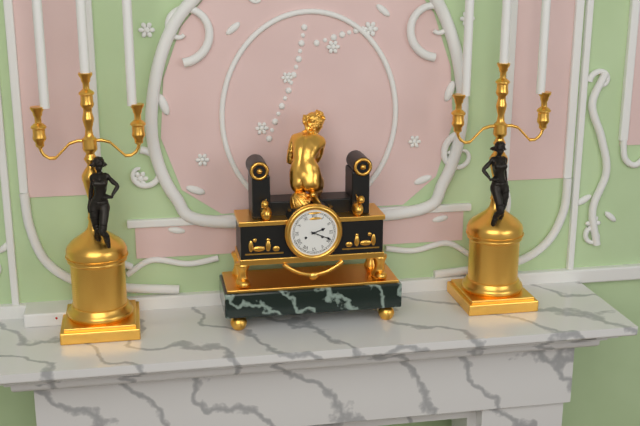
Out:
2 h 19 min
